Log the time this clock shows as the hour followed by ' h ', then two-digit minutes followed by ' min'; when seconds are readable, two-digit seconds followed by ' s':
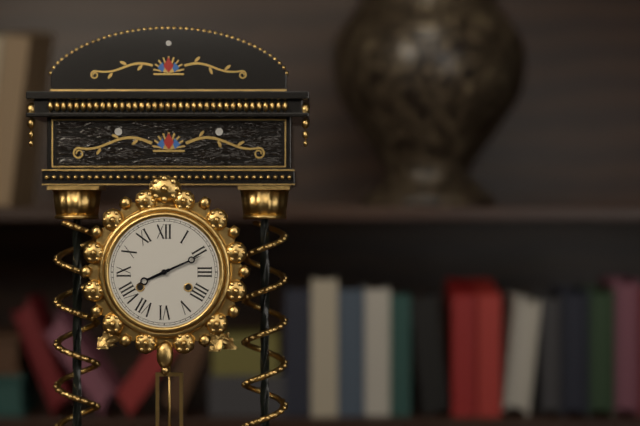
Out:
8 h 11 min
